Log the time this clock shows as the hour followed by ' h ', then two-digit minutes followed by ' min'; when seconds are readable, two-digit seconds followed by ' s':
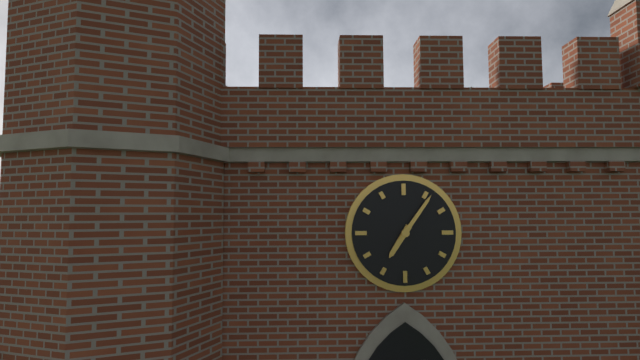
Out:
7 h 06 min
